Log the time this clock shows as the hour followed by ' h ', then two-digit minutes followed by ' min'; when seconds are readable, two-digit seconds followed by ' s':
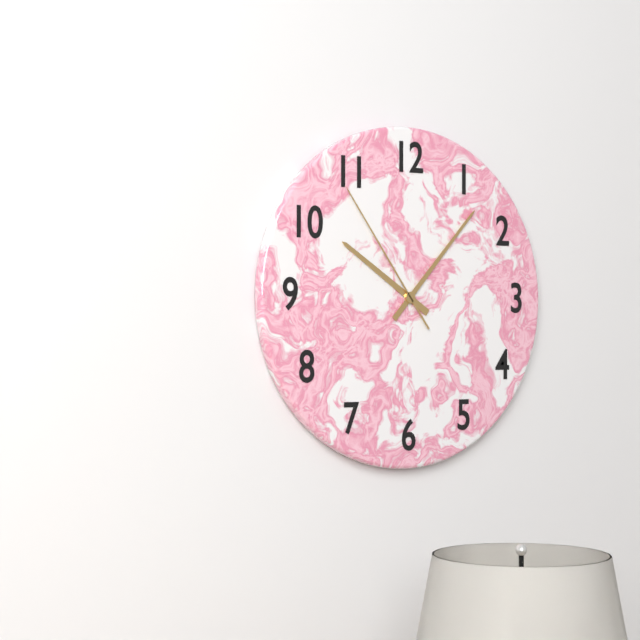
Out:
10 h 07 min 54 s
